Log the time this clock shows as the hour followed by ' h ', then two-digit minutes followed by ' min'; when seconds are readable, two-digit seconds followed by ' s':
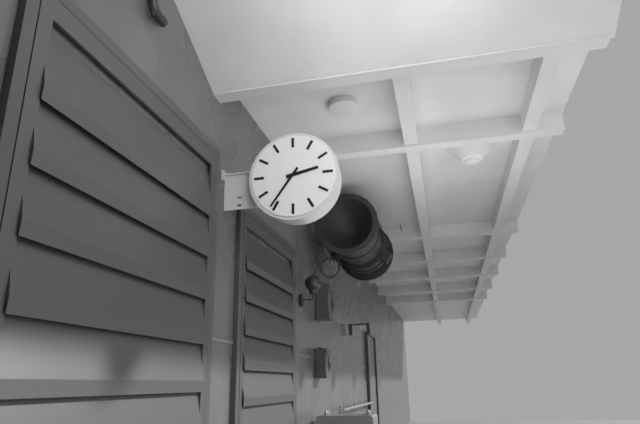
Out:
2 h 36 min
